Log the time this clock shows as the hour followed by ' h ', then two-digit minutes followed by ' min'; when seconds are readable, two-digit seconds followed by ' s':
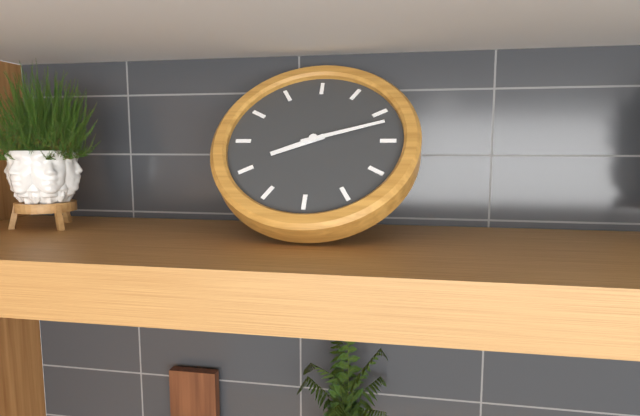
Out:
8 h 12 min
